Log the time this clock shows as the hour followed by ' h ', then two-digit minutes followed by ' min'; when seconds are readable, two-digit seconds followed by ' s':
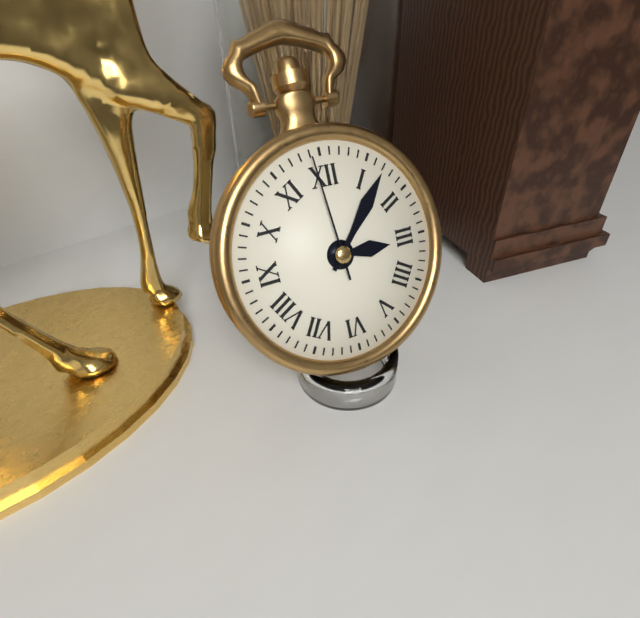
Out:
3 h 07 min 59 s
